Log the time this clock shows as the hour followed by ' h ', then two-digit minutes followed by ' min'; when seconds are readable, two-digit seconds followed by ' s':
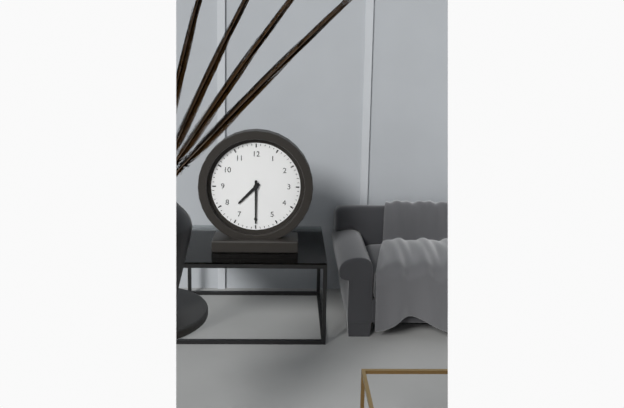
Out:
7 h 30 min
